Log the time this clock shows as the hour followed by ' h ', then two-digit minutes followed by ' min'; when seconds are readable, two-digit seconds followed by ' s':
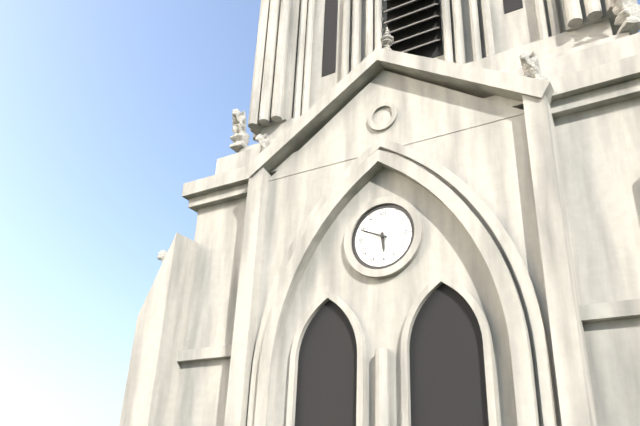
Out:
5 h 49 min
